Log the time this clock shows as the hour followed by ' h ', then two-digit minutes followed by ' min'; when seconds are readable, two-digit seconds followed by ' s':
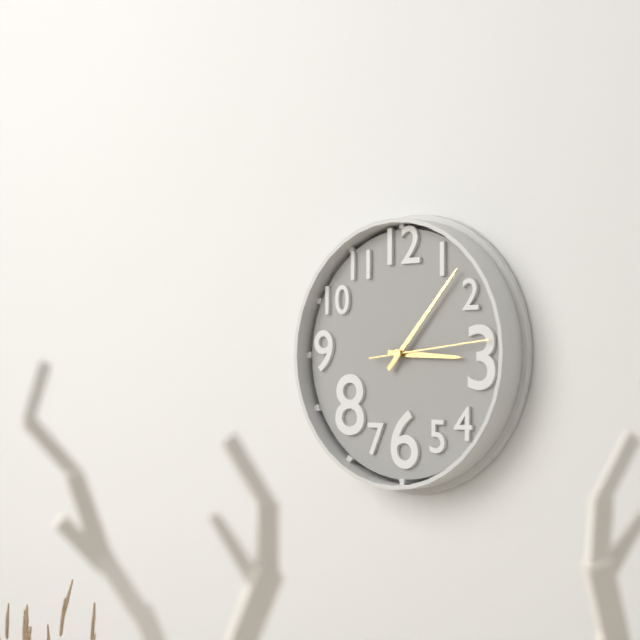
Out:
3 h 07 min 14 s
